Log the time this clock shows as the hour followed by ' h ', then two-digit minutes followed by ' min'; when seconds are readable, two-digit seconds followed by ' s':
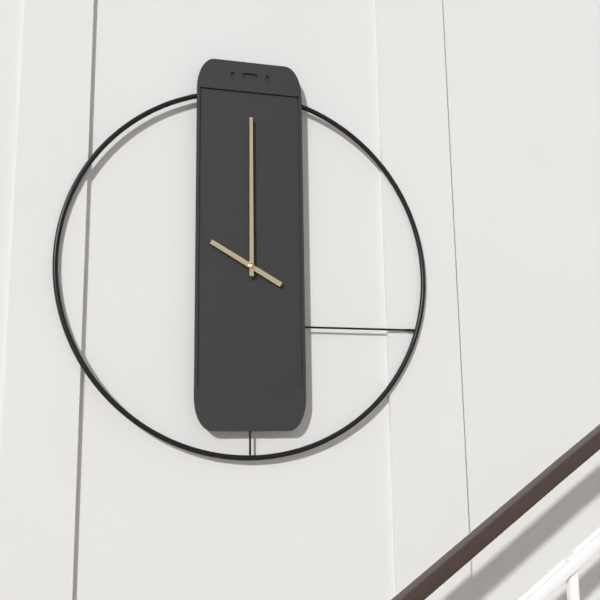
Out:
10 h 00 min
